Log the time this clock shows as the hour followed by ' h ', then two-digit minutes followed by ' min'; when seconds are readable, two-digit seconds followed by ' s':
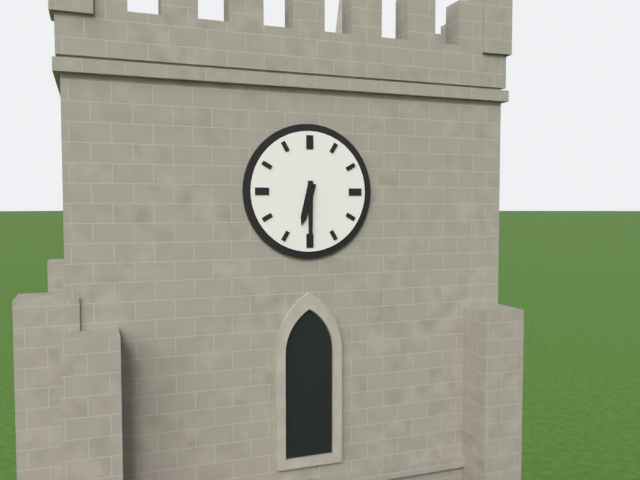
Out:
6 h 30 min
